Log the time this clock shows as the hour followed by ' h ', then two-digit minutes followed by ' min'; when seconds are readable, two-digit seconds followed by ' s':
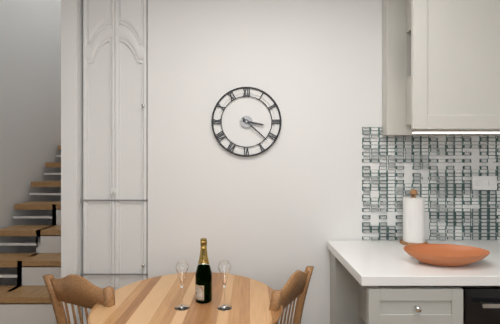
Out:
3 h 22 min
